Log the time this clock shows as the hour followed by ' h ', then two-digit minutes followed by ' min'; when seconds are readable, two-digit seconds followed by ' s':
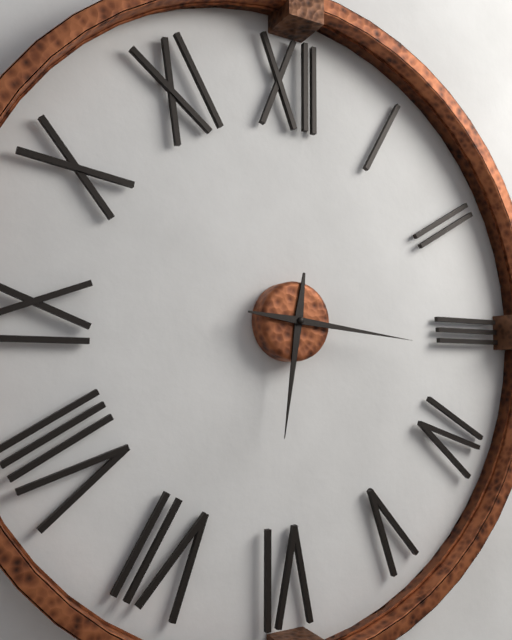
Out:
6 h 16 min
